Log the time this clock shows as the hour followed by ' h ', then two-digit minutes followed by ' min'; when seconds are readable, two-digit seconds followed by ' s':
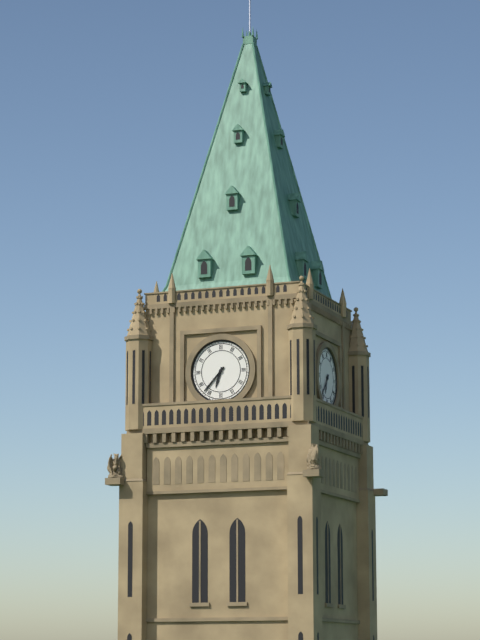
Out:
6 h 37 min
